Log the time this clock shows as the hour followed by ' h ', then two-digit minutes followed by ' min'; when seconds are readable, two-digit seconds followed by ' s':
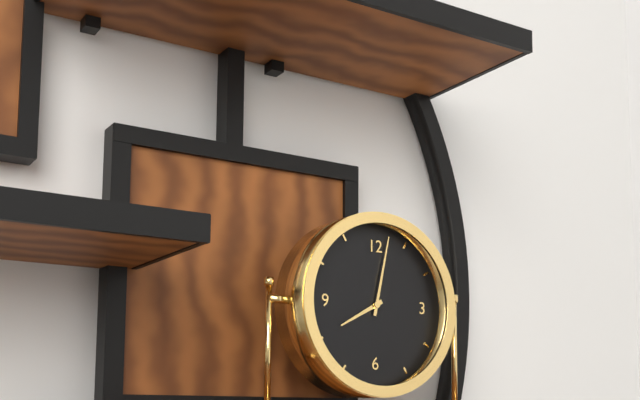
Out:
8 h 02 min
